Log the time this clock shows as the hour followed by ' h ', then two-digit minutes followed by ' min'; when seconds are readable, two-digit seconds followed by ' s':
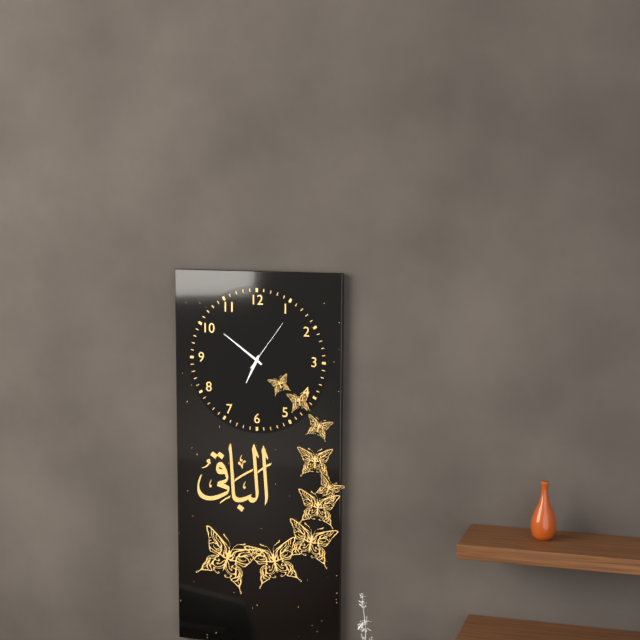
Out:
6 h 51 min 06 s
